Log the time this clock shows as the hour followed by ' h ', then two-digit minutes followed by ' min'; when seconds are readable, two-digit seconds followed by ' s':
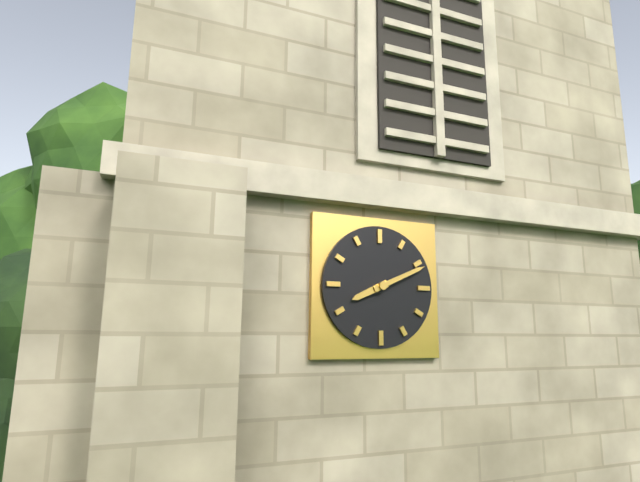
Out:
8 h 11 min
